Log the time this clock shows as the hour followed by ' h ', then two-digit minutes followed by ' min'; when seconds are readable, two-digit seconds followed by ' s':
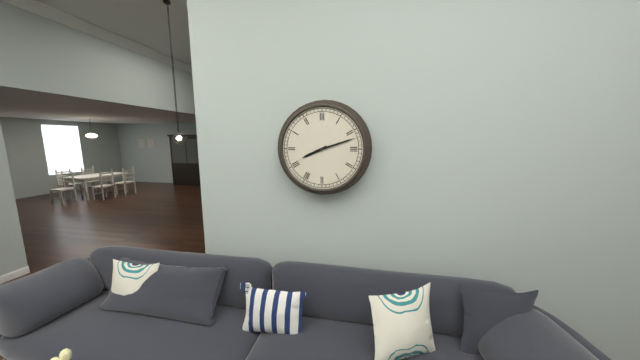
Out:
8 h 12 min
